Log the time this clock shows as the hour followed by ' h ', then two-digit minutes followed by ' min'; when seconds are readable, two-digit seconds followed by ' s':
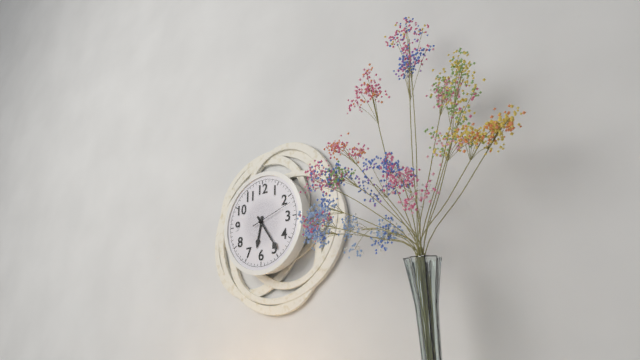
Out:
6 h 24 min
